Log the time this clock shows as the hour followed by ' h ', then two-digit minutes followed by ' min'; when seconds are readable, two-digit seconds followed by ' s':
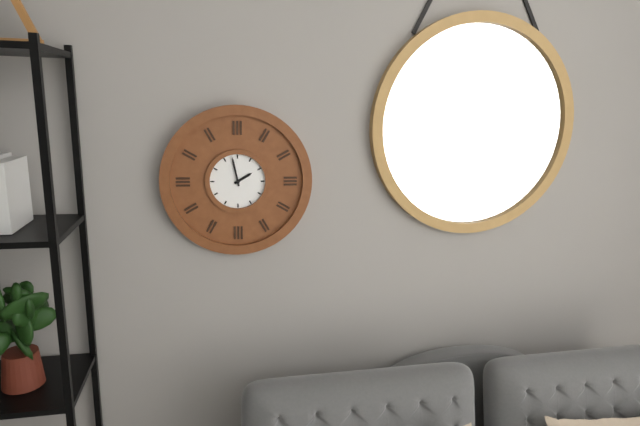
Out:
1 h 58 min
